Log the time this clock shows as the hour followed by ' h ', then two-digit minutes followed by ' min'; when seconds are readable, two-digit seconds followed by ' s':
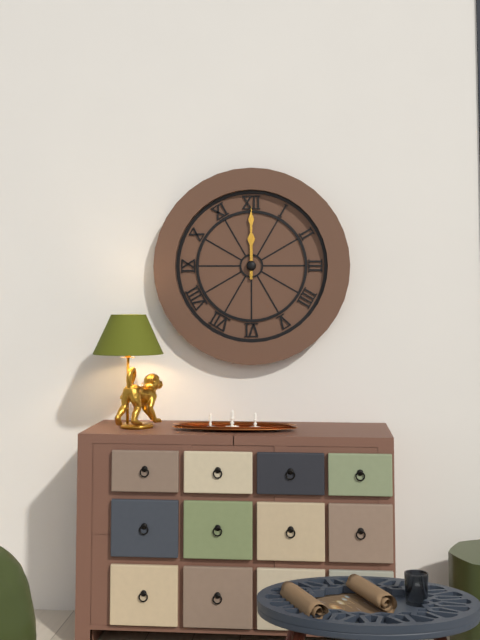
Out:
12 h 00 min
